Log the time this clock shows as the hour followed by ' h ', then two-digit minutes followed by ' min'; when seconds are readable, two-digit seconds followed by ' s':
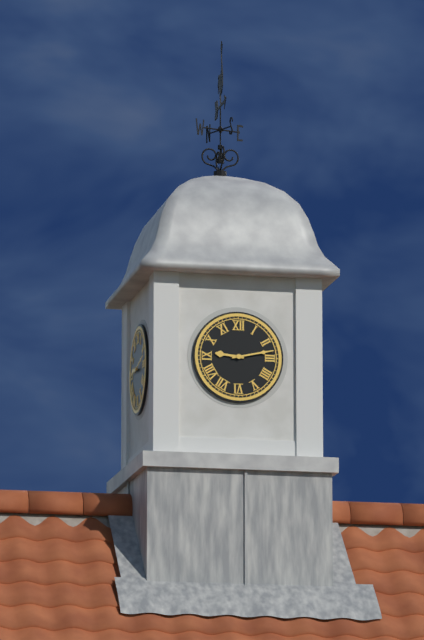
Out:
9 h 13 min
